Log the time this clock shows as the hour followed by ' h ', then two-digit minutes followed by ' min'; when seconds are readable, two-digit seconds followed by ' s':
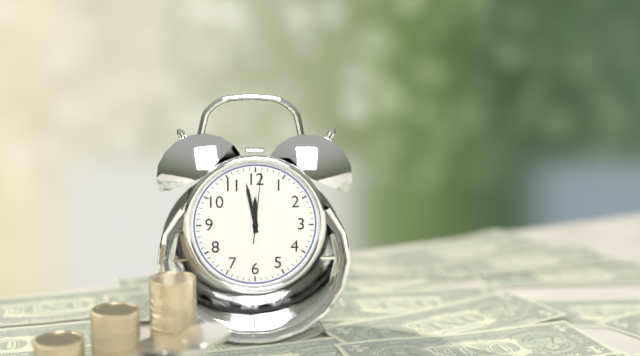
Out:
11 h 58 min 01 s
